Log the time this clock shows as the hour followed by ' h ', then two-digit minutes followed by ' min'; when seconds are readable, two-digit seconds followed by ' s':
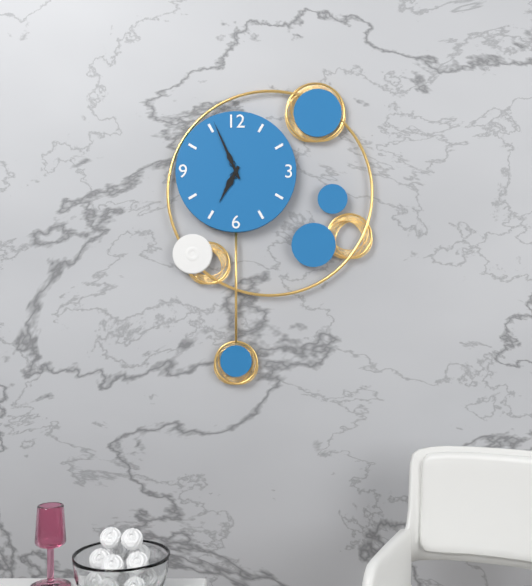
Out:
6 h 56 min
